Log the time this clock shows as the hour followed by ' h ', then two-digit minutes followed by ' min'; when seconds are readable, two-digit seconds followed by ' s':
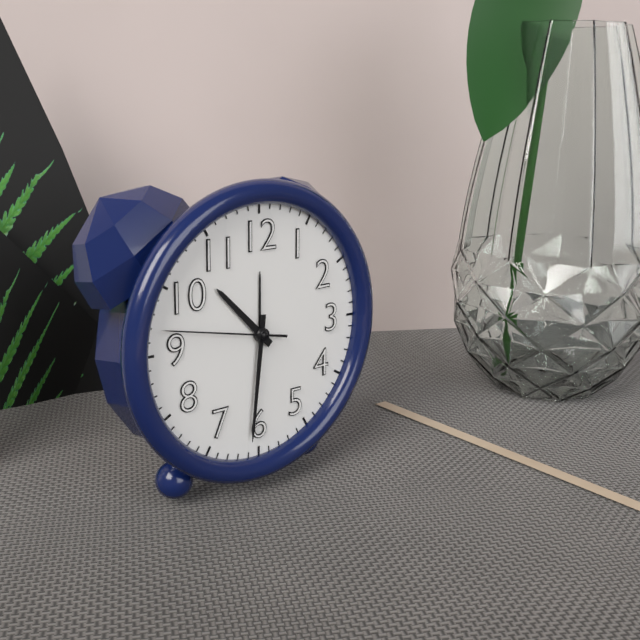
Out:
10 h 31 min 47 s
